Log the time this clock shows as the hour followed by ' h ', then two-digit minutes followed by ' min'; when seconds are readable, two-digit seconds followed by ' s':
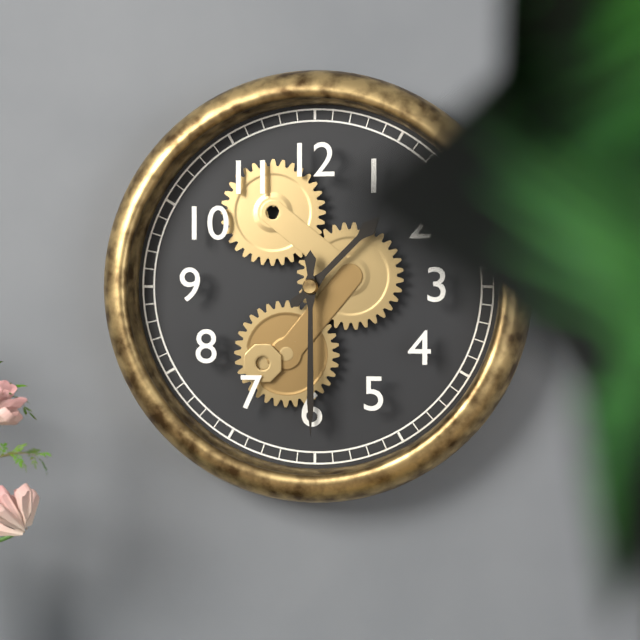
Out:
1 h 30 min
